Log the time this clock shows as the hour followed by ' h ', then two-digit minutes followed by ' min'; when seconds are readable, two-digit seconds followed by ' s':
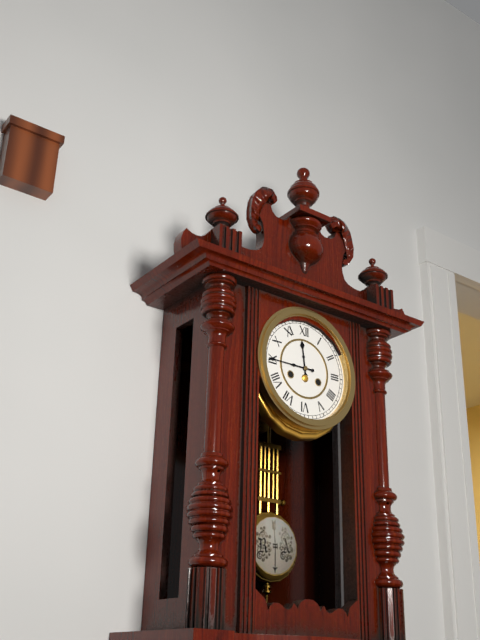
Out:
11 h 45 min
